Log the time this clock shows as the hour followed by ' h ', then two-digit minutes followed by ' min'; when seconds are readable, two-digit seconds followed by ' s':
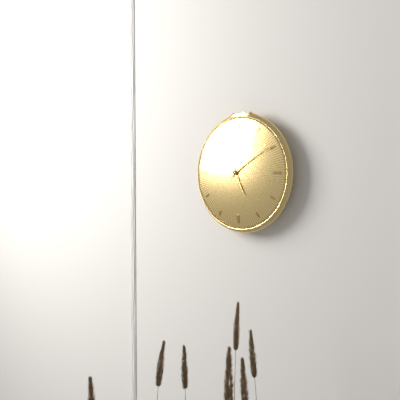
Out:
5 h 09 min
